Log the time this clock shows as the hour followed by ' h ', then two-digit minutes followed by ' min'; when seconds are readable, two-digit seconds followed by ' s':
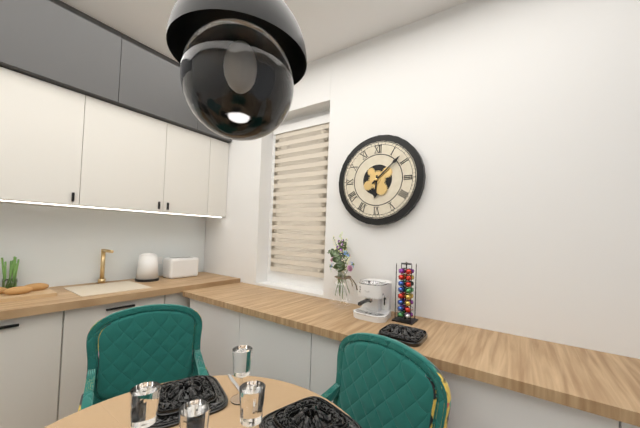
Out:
6 h 08 min
